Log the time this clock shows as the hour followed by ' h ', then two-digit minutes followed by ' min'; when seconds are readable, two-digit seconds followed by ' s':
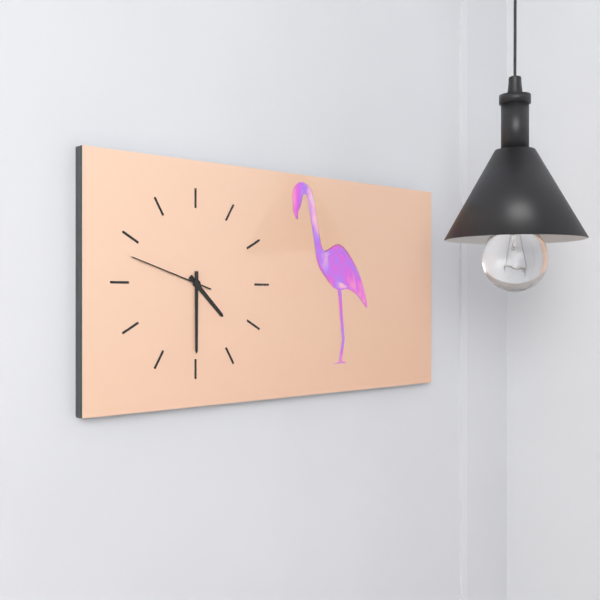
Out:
4 h 30 min 48 s
